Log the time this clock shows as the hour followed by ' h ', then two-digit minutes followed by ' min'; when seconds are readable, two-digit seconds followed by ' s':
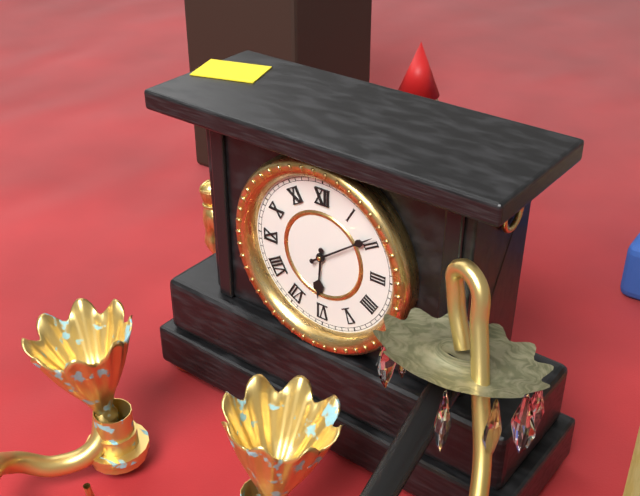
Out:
6 h 09 min
